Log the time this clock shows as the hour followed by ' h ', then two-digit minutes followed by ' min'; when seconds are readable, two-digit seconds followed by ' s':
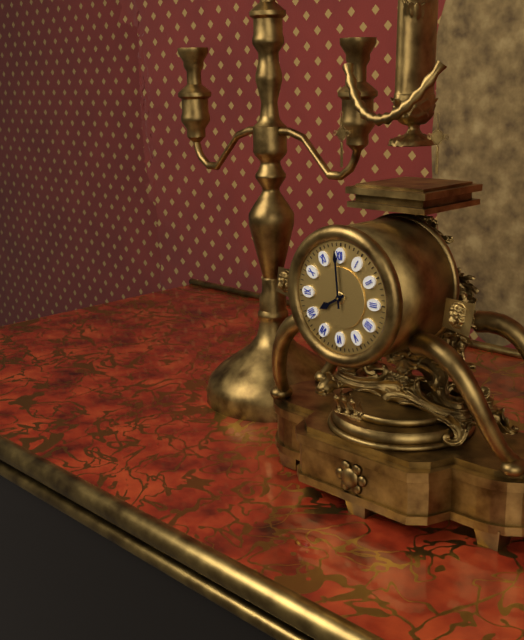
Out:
7 h 59 min
